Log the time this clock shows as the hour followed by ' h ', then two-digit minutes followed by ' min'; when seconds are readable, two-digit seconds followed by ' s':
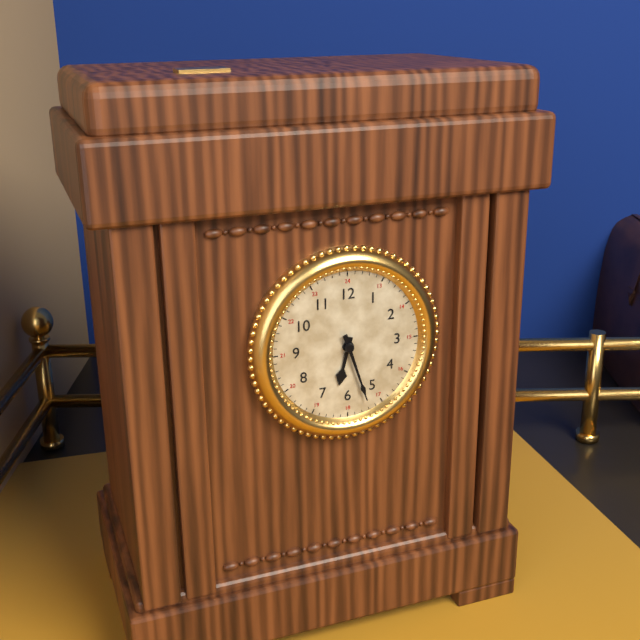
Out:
6 h 27 min
